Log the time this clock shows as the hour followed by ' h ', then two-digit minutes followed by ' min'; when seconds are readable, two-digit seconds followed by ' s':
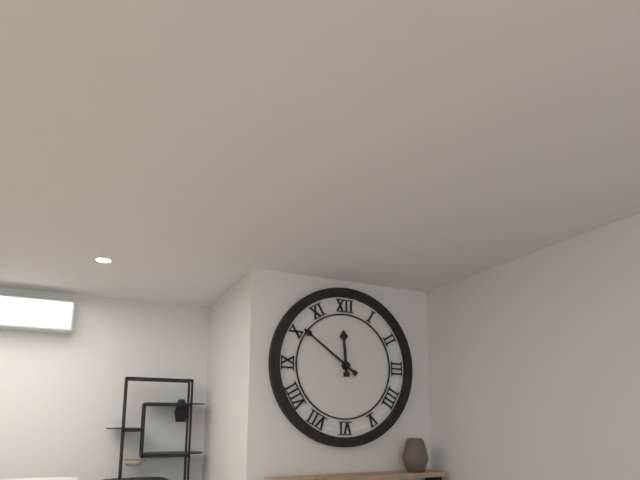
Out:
11 h 51 min
